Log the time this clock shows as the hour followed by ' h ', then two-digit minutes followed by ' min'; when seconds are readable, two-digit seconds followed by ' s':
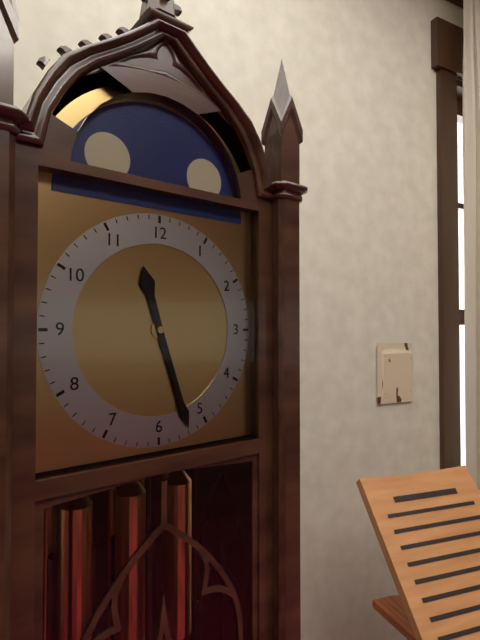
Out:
11 h 27 min
